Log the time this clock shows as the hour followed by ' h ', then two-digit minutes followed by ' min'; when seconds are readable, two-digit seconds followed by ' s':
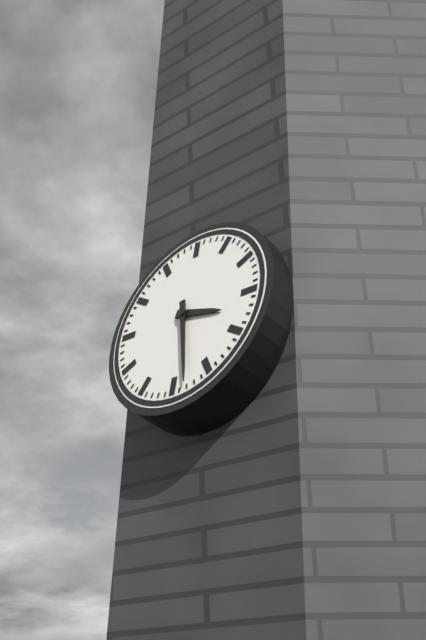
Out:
3 h 28 min
